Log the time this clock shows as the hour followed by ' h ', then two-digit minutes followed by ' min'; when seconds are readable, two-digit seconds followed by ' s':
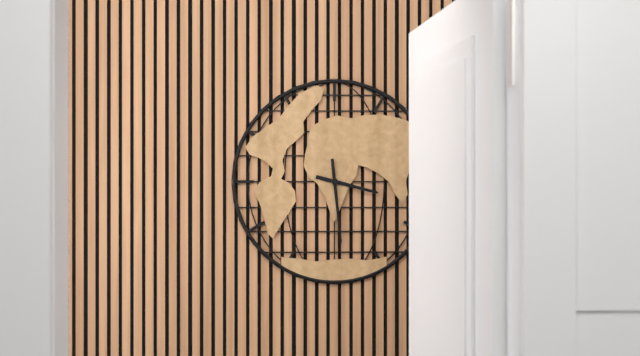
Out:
3 h 29 min
